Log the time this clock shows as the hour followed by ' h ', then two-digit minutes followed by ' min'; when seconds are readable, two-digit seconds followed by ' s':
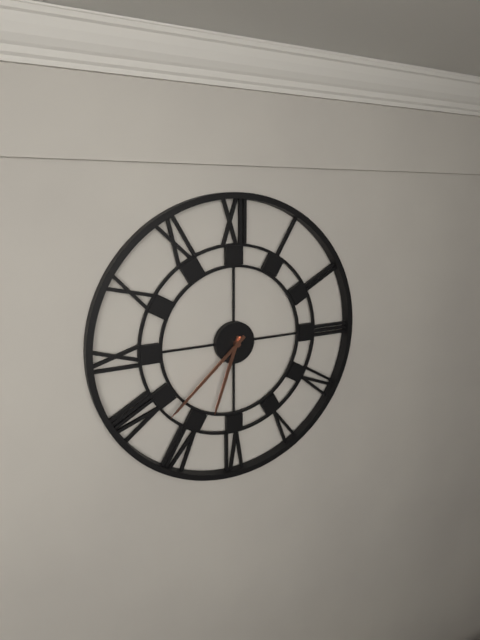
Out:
6 h 38 min
